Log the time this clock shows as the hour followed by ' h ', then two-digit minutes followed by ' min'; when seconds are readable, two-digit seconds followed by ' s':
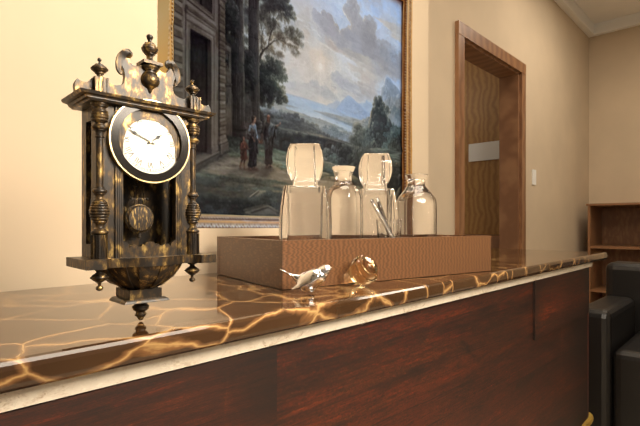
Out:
1 h 49 min
